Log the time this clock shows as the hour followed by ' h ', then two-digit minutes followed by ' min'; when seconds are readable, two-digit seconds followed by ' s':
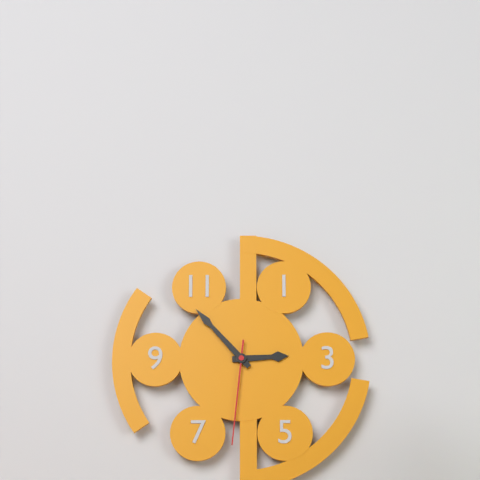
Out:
2 h 53 min 31 s
